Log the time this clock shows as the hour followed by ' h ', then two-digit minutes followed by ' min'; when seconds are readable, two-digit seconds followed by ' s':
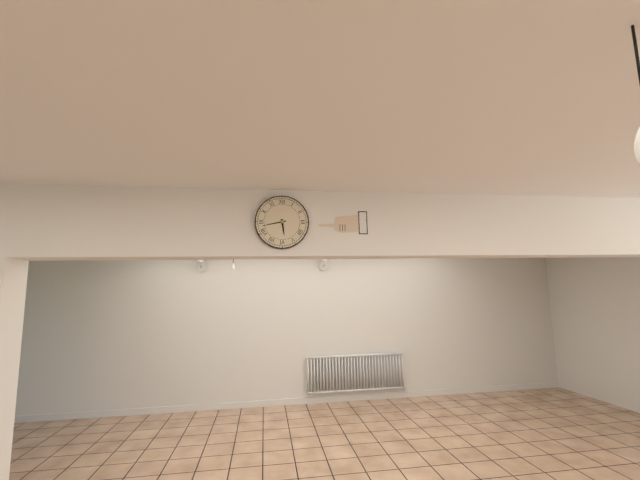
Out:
5 h 43 min
